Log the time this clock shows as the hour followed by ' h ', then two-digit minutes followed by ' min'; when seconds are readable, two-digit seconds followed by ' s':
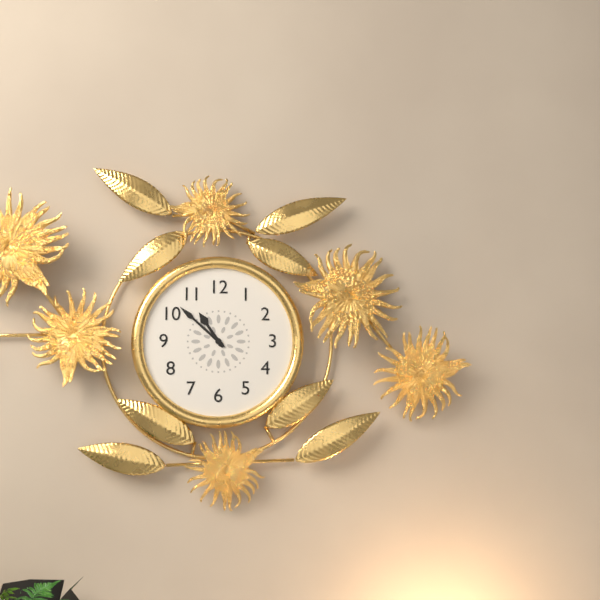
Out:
10 h 52 min
